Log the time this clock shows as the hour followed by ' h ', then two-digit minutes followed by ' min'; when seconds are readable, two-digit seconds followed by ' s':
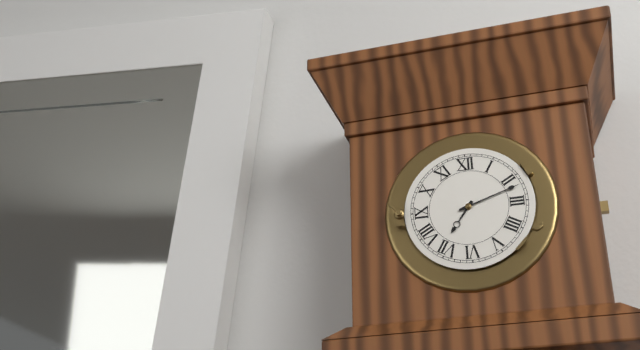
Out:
7 h 12 min
